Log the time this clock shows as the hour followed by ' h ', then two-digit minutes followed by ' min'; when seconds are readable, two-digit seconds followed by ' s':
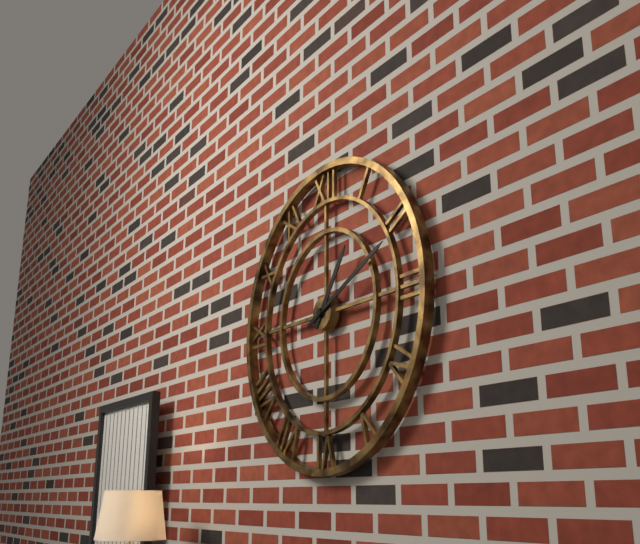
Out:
1 h 11 min
